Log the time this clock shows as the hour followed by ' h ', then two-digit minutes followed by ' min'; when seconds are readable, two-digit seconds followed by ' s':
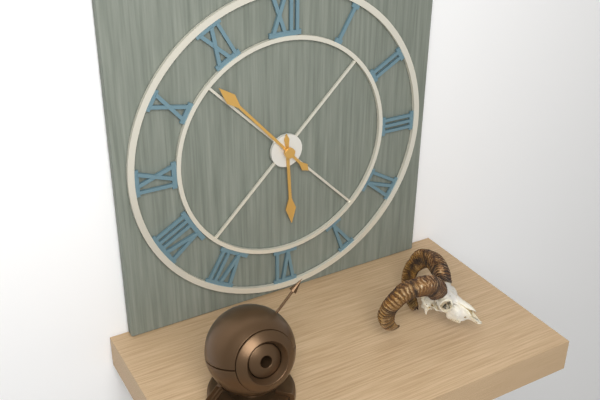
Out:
5 h 53 min
